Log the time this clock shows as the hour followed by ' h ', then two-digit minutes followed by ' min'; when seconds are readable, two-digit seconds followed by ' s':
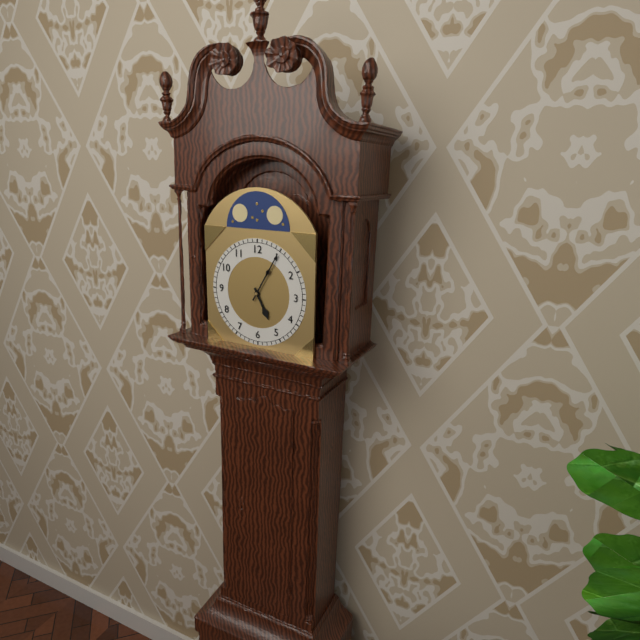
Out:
5 h 05 min
